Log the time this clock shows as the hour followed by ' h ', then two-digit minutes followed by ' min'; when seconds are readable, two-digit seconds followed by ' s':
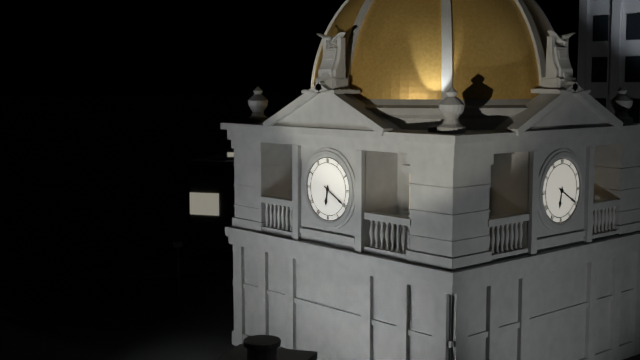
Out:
6 h 20 min
